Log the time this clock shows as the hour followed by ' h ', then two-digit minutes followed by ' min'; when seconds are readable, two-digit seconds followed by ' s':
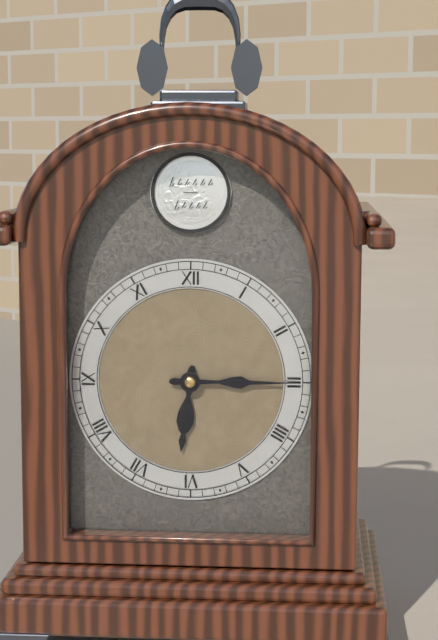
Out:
6 h 15 min
